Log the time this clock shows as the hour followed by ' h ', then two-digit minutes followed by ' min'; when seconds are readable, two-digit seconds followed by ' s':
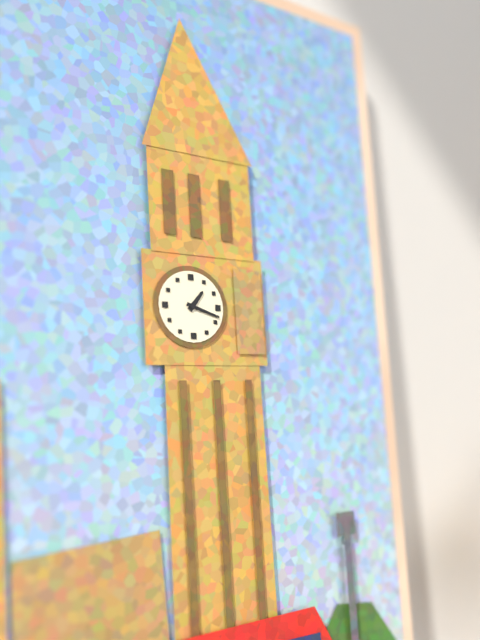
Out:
1 h 18 min
